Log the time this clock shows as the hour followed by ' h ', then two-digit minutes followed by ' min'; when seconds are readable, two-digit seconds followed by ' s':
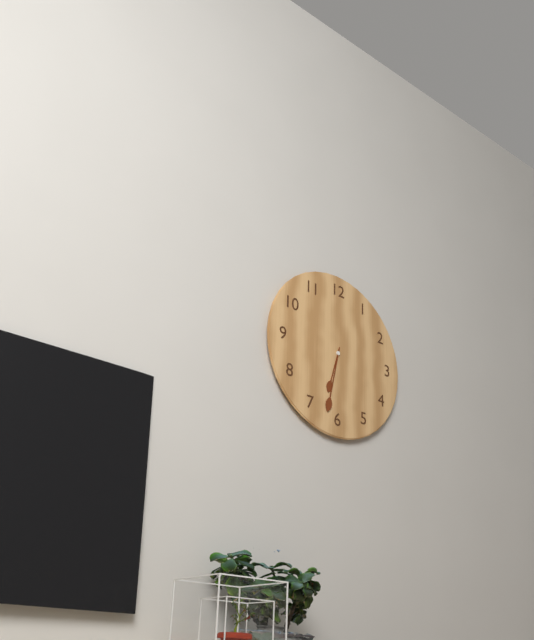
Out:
6 h 32 min
